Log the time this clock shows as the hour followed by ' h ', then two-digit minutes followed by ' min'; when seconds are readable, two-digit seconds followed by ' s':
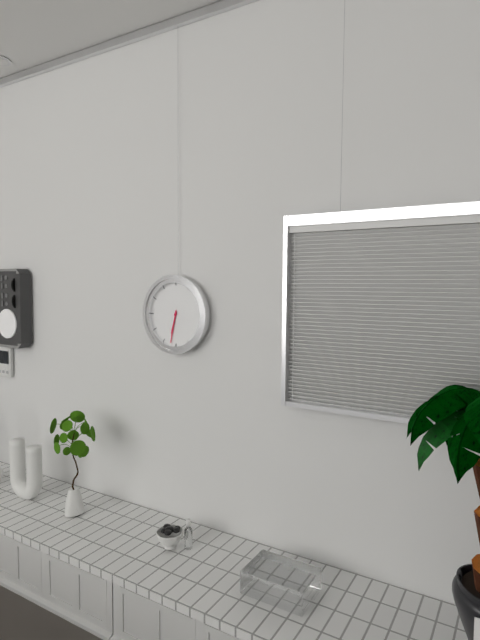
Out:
6 h 32 min
